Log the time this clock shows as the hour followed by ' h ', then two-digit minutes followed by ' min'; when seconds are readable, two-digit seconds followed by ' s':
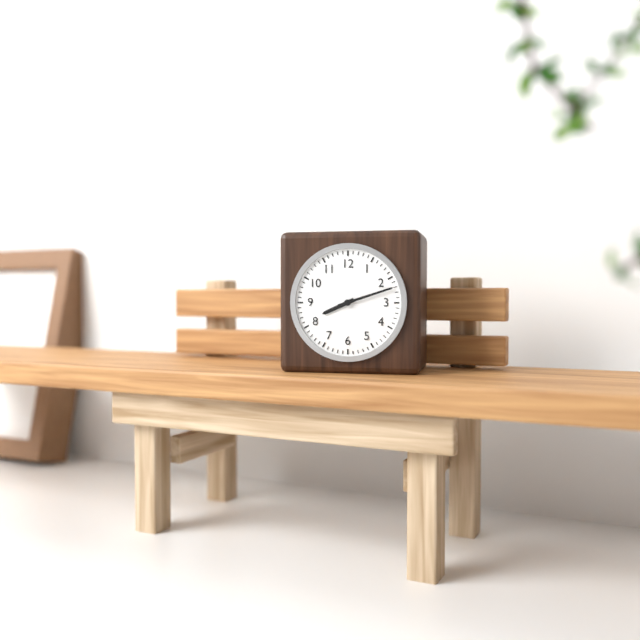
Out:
8 h 12 min
